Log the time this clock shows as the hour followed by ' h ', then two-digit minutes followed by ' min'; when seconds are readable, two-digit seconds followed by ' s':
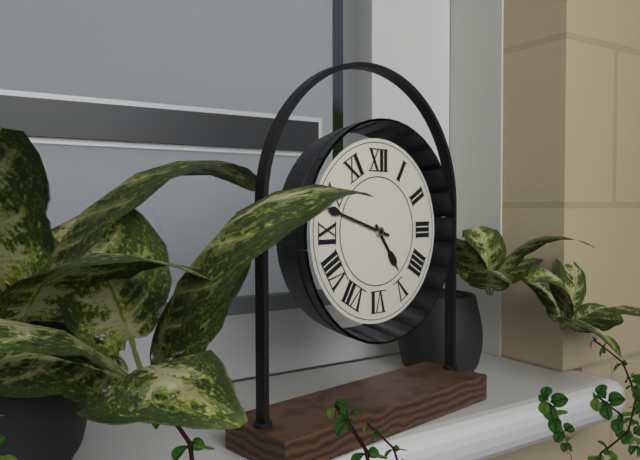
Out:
4 h 48 min
